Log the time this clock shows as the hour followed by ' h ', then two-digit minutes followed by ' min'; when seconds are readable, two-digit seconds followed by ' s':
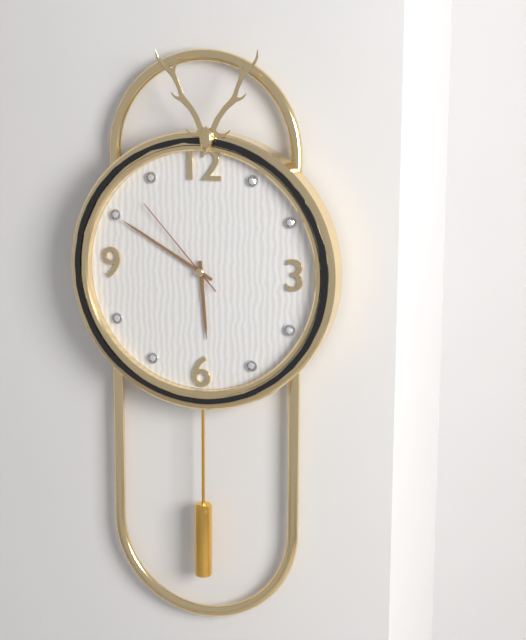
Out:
5 h 50 min 53 s
